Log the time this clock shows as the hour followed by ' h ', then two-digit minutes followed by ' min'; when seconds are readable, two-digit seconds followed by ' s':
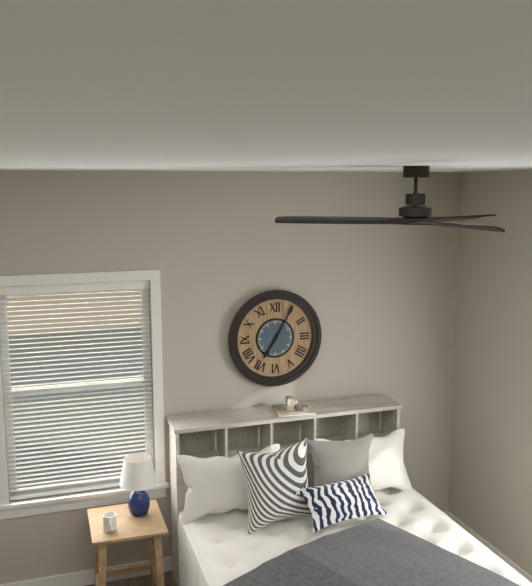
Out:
7 h 05 min
